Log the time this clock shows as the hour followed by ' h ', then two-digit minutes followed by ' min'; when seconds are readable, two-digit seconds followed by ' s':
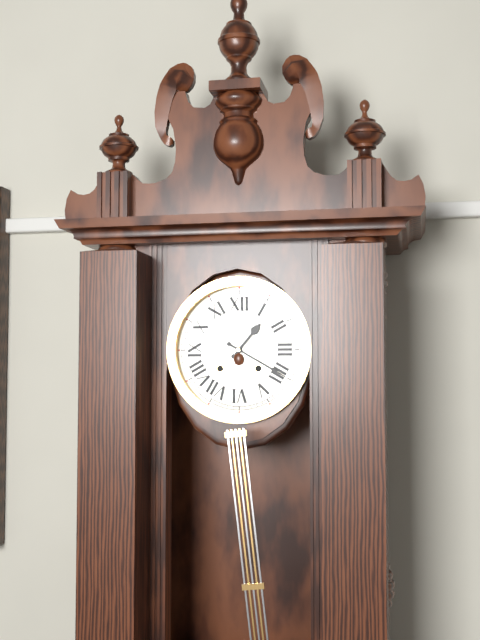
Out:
1 h 20 min
